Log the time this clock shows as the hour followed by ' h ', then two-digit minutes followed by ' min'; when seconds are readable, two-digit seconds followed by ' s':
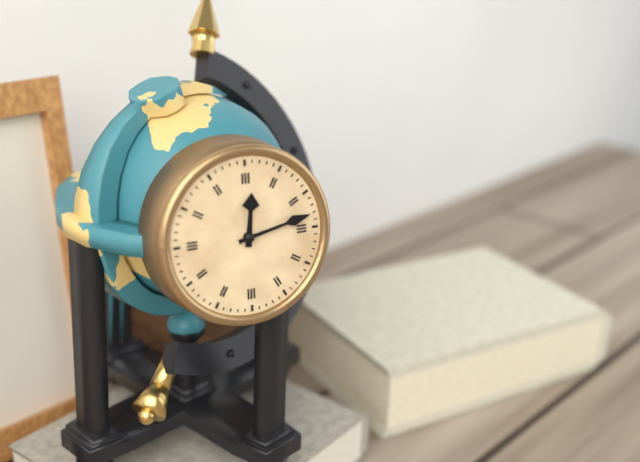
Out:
12 h 13 min
